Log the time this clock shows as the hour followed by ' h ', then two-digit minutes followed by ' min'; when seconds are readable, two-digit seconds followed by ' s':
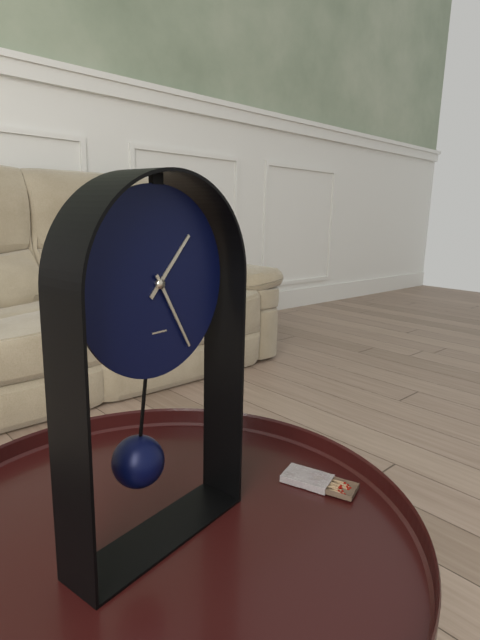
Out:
1 h 25 min
